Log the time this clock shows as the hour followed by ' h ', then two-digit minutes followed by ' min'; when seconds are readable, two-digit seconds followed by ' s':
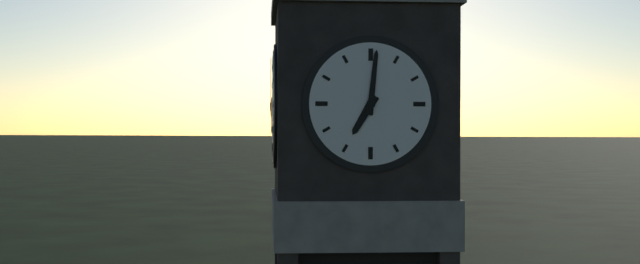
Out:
7 h 01 min
